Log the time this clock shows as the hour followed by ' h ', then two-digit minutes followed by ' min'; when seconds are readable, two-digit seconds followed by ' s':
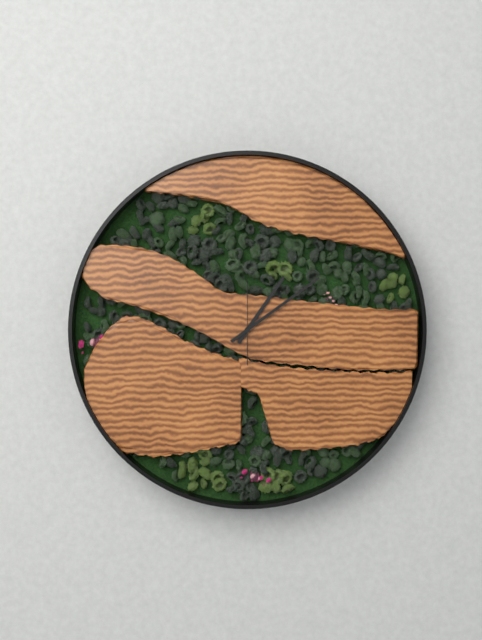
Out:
1 h 09 min 00 s
